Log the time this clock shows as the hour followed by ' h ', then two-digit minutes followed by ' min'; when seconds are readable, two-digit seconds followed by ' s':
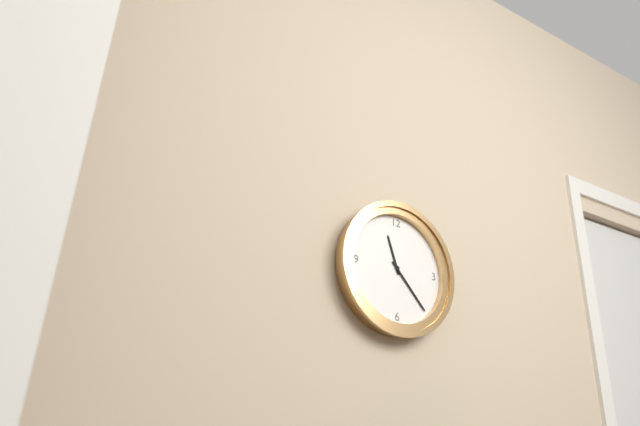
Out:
11 h 23 min
